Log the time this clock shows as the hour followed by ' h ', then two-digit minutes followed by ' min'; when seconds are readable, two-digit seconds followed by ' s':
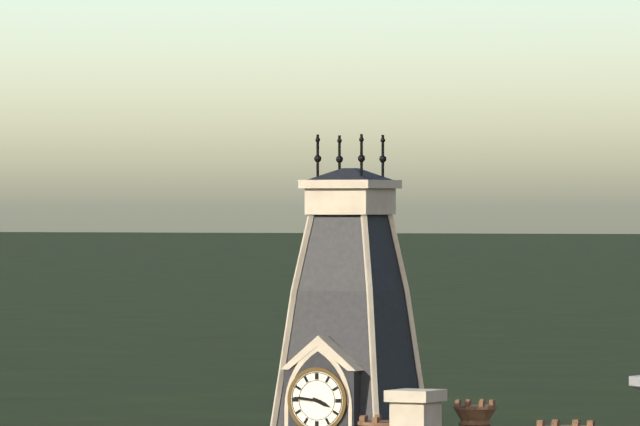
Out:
3 h 46 min
